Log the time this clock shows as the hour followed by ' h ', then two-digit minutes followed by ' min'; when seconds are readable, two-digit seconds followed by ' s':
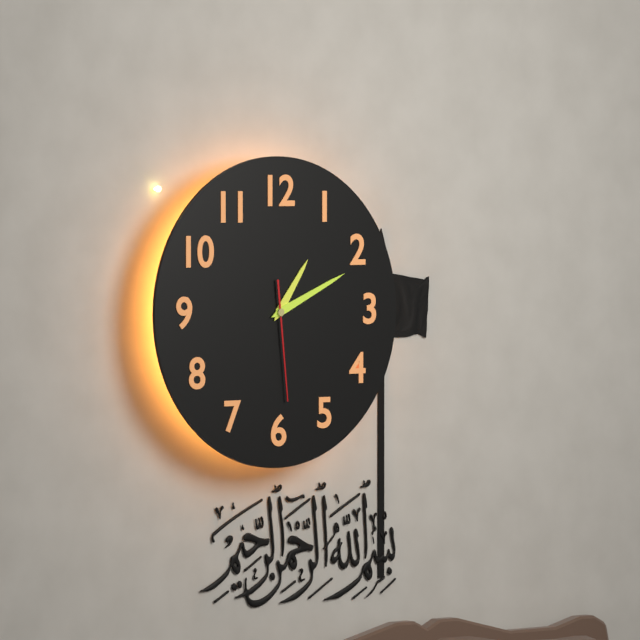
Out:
1 h 11 min 29 s
